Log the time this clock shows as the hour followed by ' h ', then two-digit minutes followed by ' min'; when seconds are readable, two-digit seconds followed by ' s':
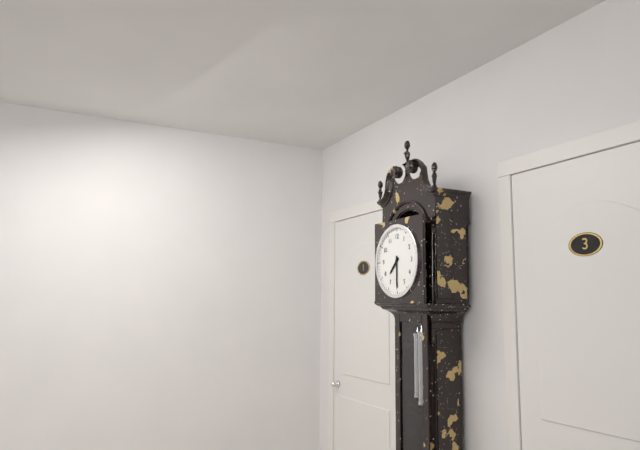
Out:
7 h 30 min
